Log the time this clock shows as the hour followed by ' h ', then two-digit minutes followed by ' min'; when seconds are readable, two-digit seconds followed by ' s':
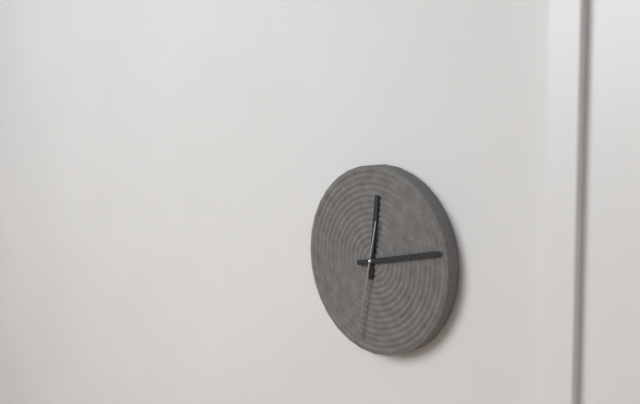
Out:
12 h 13 min 32 s
